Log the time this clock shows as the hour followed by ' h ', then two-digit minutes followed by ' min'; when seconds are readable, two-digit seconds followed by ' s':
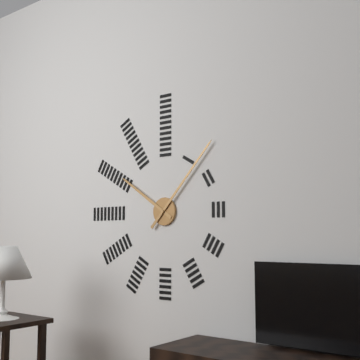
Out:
10 h 07 min
